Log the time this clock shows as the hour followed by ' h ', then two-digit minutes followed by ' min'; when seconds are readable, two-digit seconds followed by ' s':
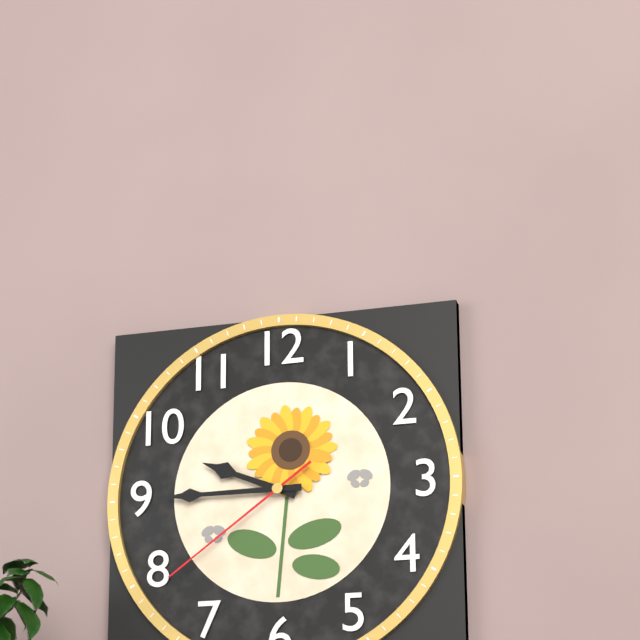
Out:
9 h 45 min 39 s
